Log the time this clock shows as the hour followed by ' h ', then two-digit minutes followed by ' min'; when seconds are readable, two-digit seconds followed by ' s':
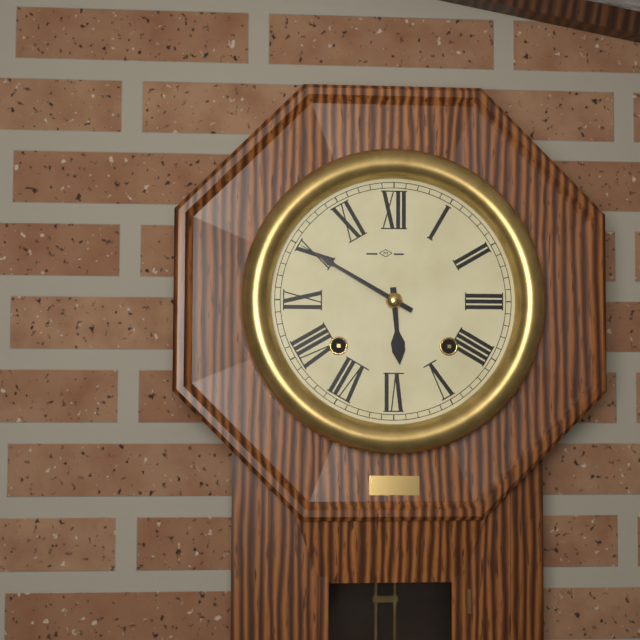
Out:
5 h 50 min
